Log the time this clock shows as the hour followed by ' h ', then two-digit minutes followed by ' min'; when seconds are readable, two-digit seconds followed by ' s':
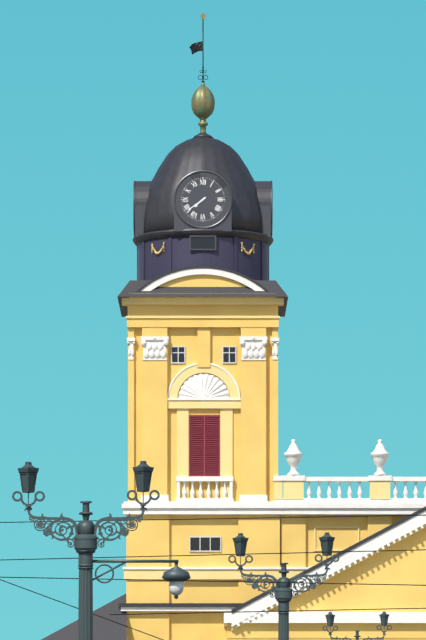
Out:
7 h 39 min
